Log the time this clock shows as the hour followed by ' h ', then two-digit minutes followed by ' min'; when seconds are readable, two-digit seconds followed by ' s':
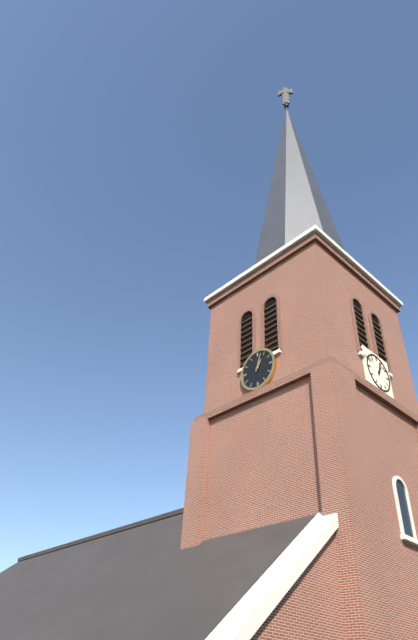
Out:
1 h 03 min
